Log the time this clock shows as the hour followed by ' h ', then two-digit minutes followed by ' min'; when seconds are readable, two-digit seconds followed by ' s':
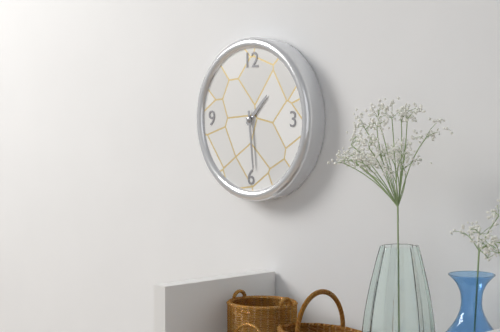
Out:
1 h 29 min
